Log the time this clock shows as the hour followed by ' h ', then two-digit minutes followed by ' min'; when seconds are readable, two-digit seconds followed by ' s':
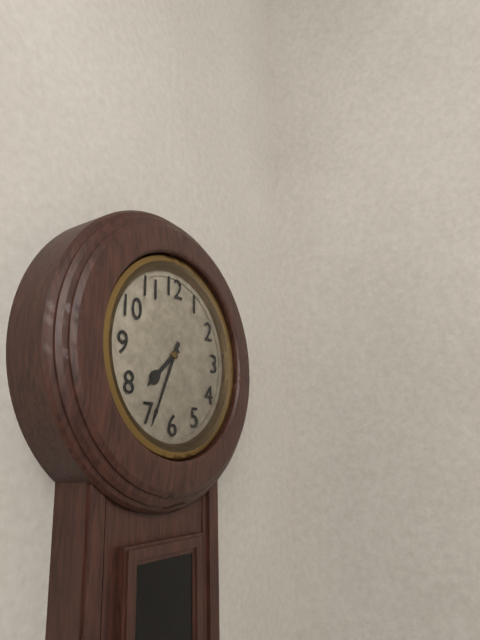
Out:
7 h 34 min
